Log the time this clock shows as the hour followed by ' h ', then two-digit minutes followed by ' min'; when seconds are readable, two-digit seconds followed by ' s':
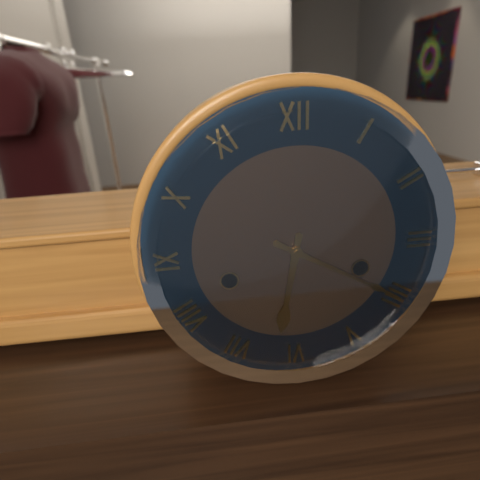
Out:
6 h 20 min
